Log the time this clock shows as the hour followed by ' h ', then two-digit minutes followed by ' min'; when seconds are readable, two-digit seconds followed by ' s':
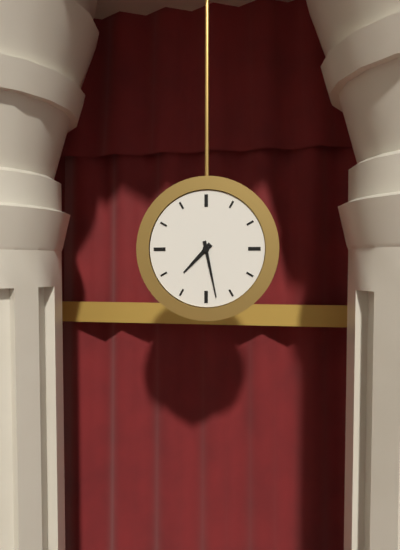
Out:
7 h 28 min
